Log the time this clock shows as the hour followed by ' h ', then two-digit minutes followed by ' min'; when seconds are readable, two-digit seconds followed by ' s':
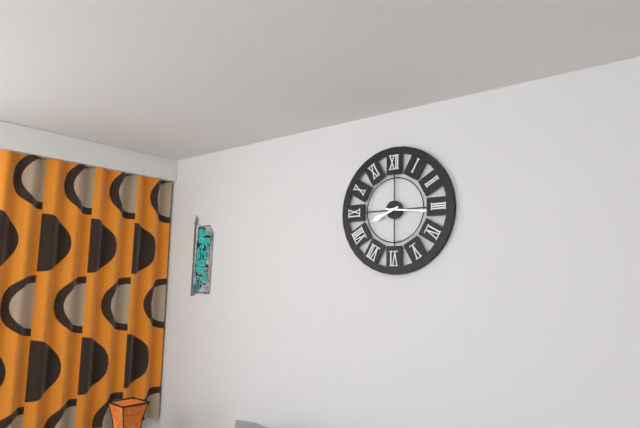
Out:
8 h 16 min
